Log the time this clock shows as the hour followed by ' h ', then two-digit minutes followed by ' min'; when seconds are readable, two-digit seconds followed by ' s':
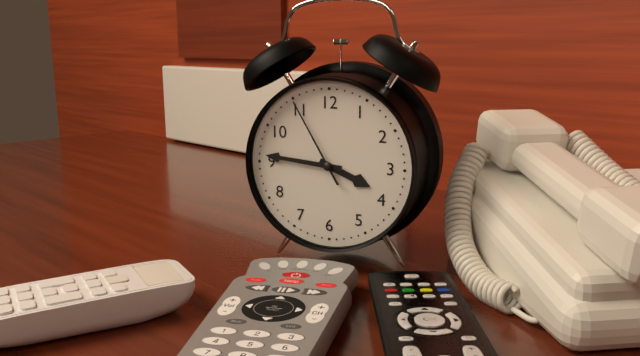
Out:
3 h 46 min 55 s
